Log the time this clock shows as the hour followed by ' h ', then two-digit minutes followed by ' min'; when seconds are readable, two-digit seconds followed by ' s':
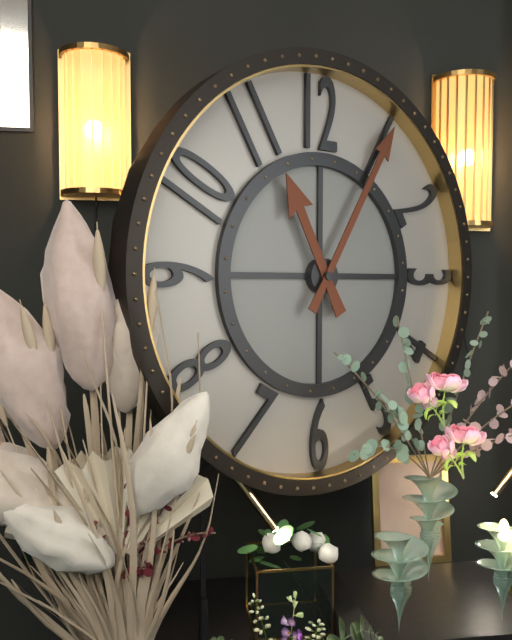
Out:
11 h 05 min
